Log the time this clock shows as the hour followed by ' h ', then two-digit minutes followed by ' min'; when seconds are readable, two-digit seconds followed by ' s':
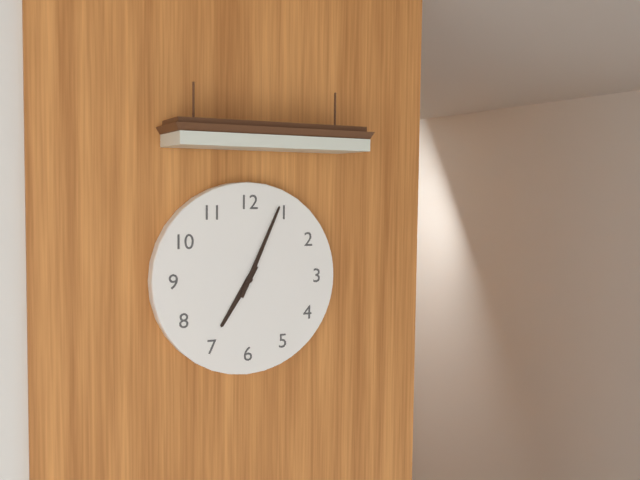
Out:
7 h 04 min
